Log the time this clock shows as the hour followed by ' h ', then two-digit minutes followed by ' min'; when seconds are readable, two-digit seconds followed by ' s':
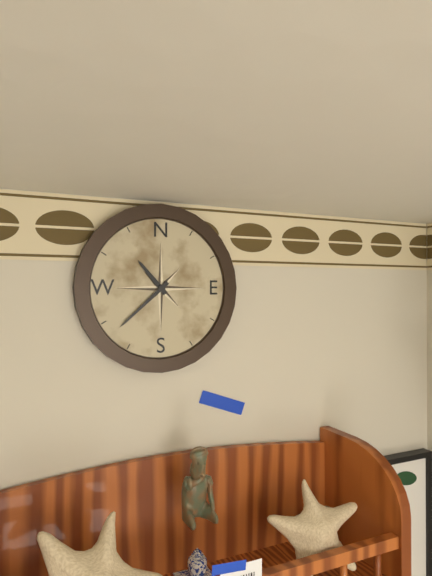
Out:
10 h 38 min
